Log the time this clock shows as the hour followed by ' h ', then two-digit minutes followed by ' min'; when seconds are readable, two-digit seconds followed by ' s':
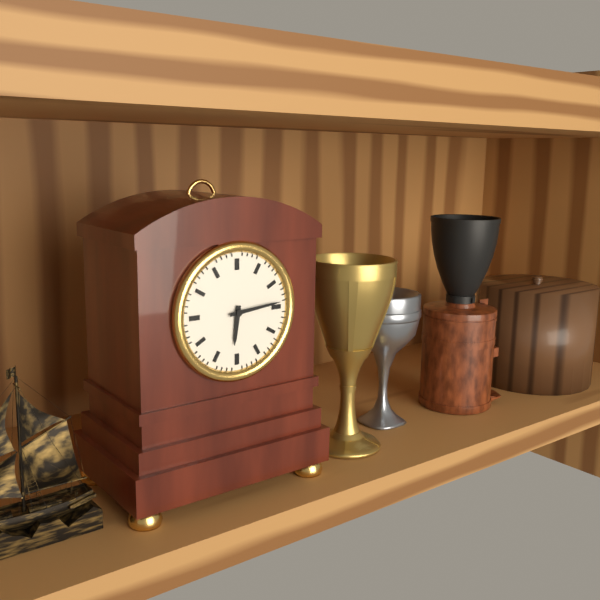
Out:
6 h 14 min
